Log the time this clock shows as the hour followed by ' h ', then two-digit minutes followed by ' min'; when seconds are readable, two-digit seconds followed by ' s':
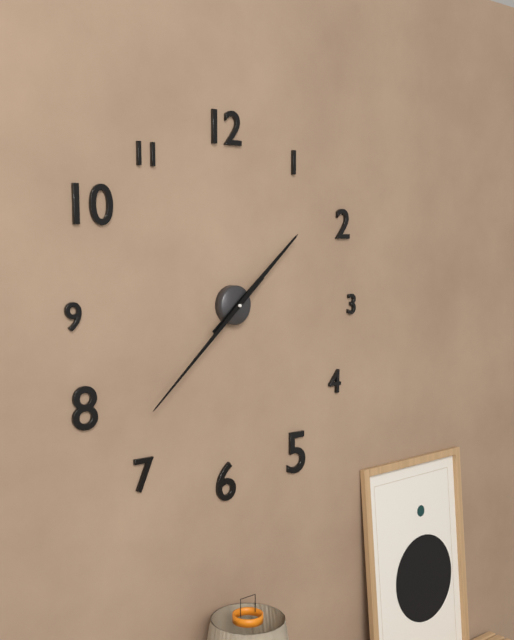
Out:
1 h 38 min
